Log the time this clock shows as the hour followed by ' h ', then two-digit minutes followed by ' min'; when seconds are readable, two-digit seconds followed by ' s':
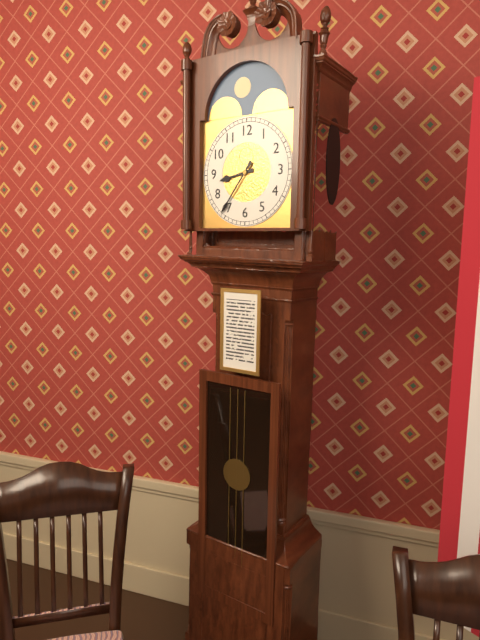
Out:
8 h 36 min
